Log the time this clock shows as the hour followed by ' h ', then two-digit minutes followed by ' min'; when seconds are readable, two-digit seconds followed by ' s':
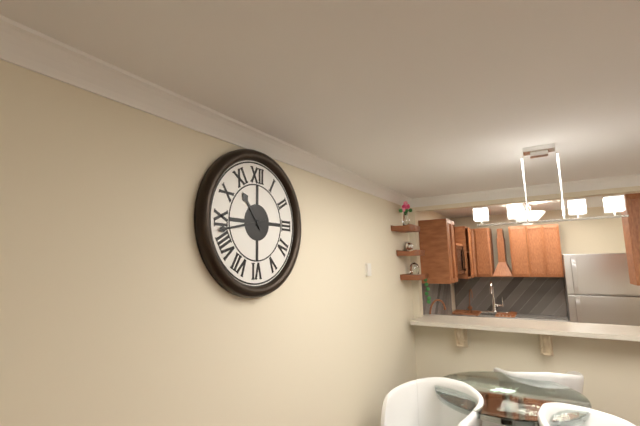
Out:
10 h 43 min
